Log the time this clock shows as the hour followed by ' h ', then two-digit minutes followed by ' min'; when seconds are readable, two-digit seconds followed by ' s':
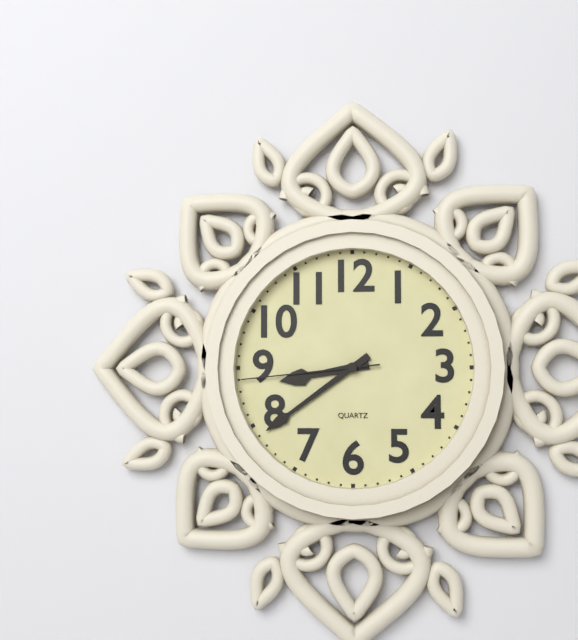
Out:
8 h 39 min 44 s
